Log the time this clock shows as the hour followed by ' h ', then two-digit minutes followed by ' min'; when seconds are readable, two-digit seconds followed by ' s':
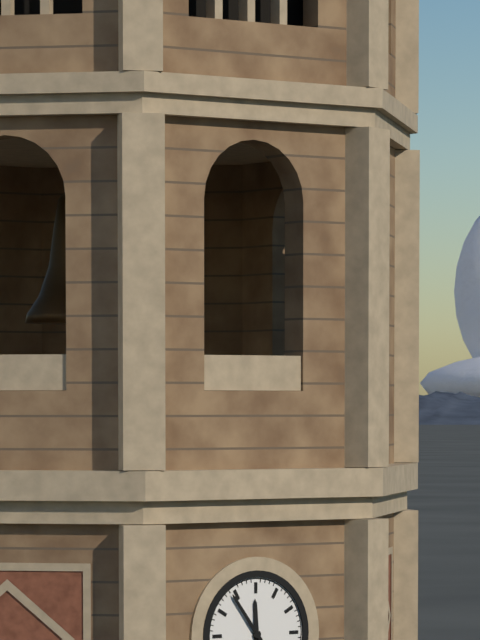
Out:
11 h 54 min
